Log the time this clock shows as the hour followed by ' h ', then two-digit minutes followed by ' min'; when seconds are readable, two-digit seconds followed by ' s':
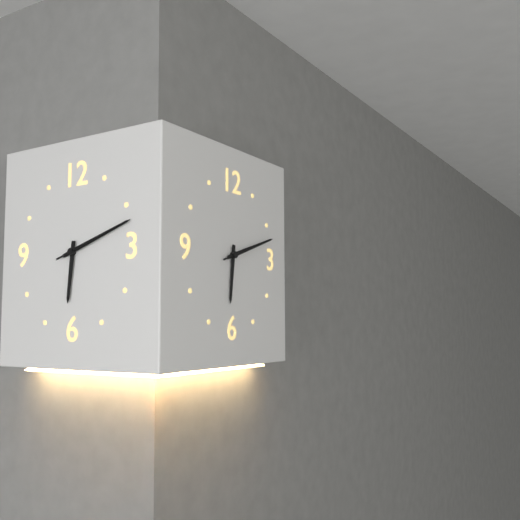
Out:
6 h 12 min 12 s
